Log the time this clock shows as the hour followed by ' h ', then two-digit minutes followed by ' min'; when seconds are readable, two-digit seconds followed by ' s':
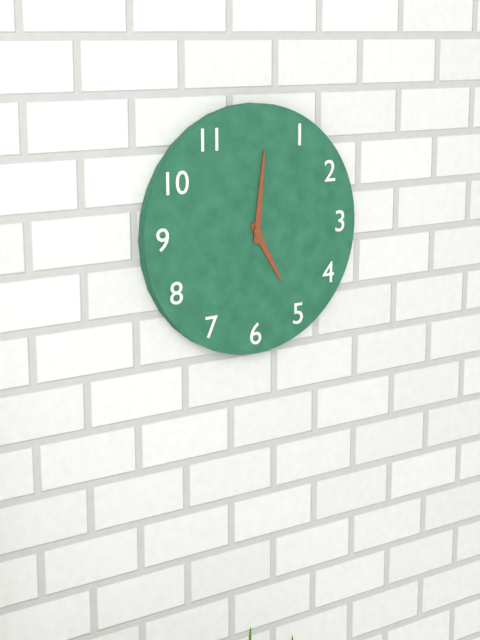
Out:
5 h 01 min
